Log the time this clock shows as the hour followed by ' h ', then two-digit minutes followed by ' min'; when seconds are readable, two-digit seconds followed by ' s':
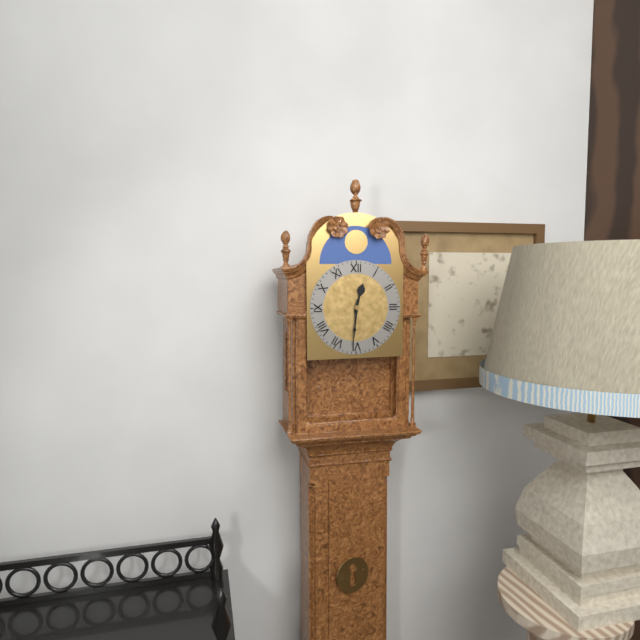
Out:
12 h 31 min
